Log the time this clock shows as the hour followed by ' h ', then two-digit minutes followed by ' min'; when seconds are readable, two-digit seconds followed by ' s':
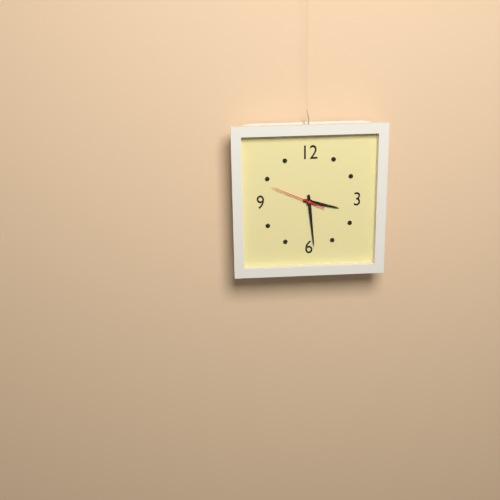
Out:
3 h 29 min 49 s
